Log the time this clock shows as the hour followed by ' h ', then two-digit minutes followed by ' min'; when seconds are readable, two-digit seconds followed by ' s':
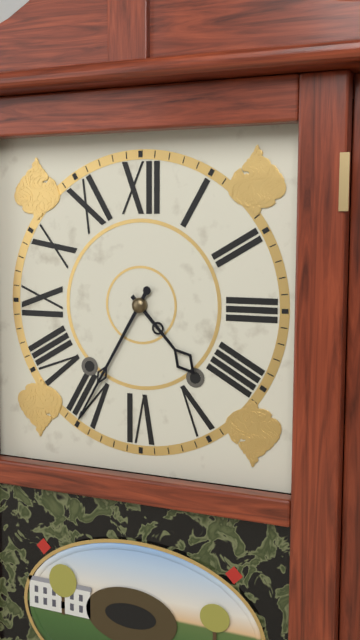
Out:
4 h 35 min
